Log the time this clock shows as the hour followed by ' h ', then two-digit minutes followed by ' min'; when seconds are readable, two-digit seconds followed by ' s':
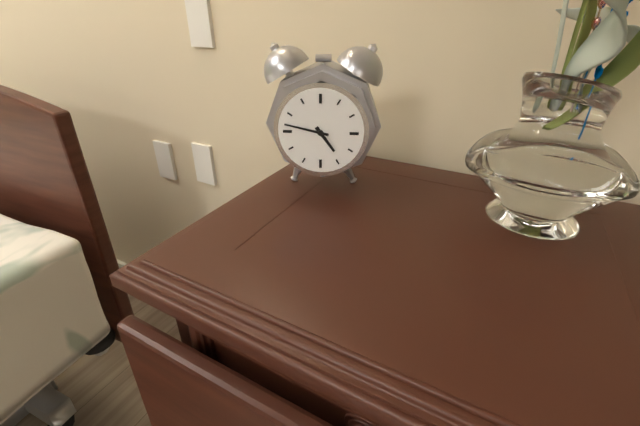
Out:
4 h 47 min
